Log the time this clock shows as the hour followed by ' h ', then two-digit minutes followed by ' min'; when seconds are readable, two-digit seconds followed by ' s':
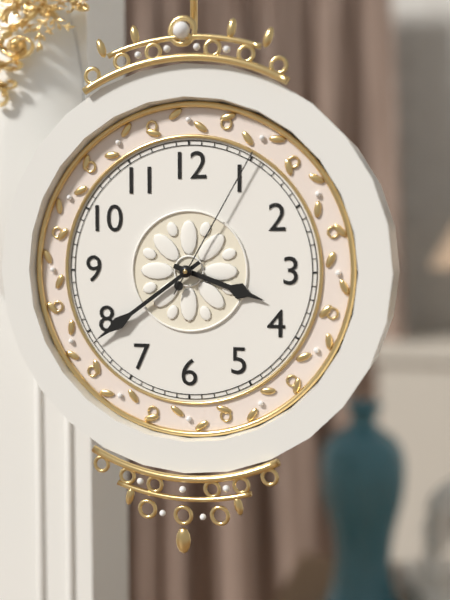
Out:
3 h 39 min 05 s
